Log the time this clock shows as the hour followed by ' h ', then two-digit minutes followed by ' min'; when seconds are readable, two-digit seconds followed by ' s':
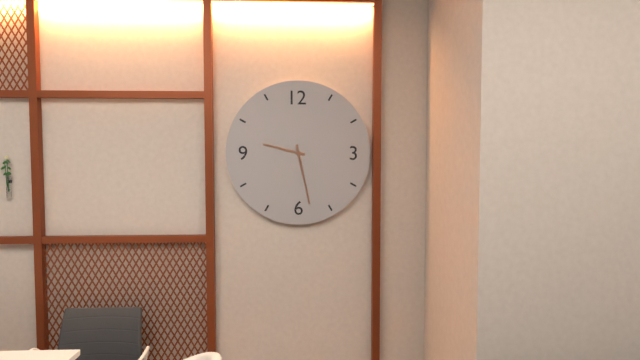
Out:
9 h 28 min
